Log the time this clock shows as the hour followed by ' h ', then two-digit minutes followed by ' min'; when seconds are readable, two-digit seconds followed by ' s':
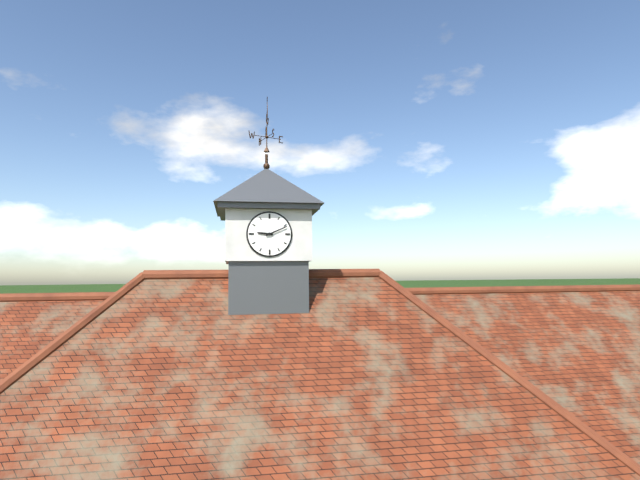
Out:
9 h 11 min
